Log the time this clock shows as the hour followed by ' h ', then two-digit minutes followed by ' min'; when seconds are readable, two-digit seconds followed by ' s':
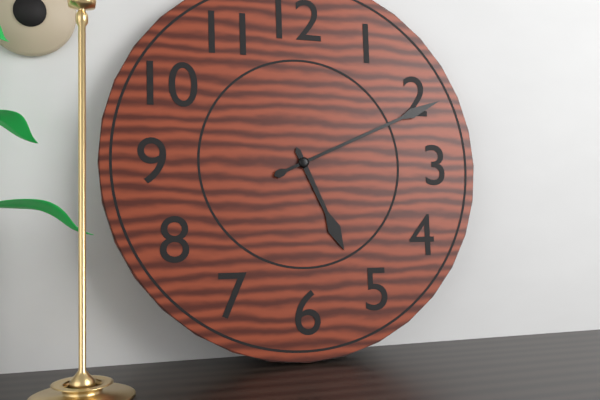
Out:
5 h 11 min
